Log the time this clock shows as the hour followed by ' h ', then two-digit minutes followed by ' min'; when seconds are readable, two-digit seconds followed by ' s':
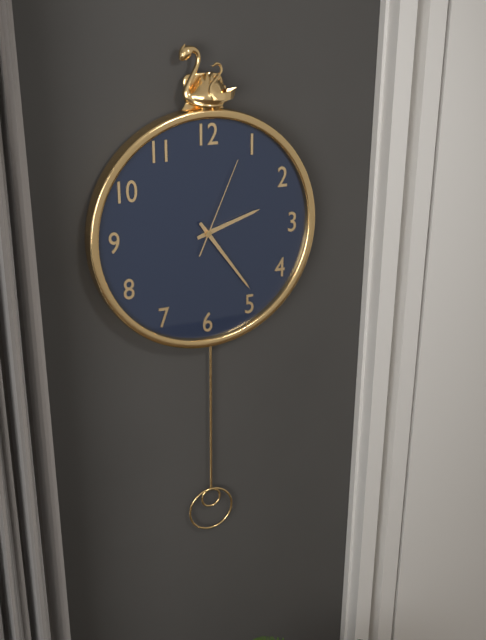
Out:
2 h 24 min 04 s
